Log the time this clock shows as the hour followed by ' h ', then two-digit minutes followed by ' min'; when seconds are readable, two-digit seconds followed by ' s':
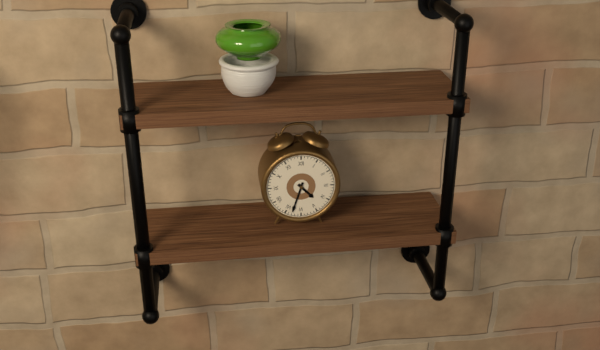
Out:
4 h 33 min
